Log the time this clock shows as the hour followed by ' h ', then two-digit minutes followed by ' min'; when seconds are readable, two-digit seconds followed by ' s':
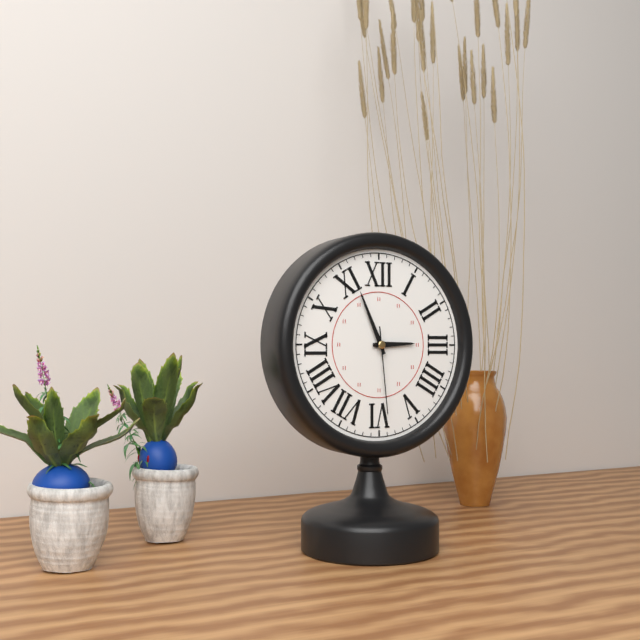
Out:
2 h 56 min 29 s
